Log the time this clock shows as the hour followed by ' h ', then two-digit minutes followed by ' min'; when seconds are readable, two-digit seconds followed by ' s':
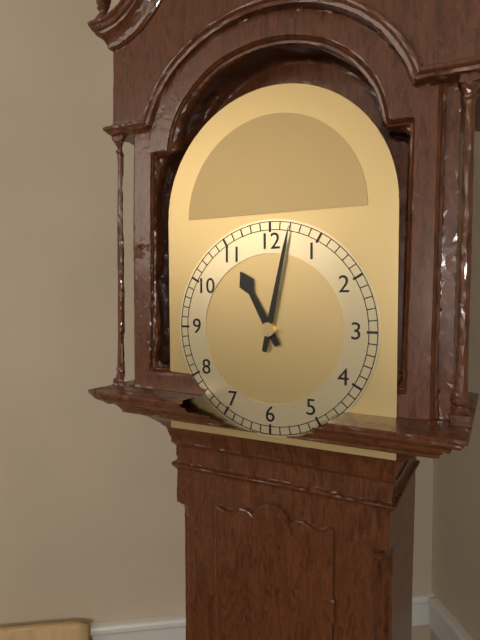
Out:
11 h 02 min
